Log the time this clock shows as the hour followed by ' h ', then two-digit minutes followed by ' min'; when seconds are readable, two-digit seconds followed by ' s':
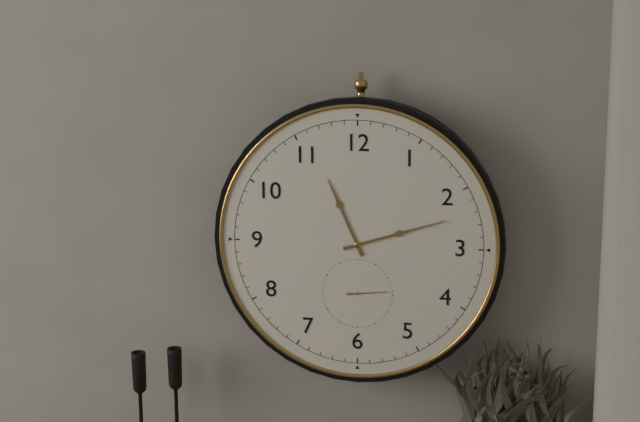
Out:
11 h 12 min
